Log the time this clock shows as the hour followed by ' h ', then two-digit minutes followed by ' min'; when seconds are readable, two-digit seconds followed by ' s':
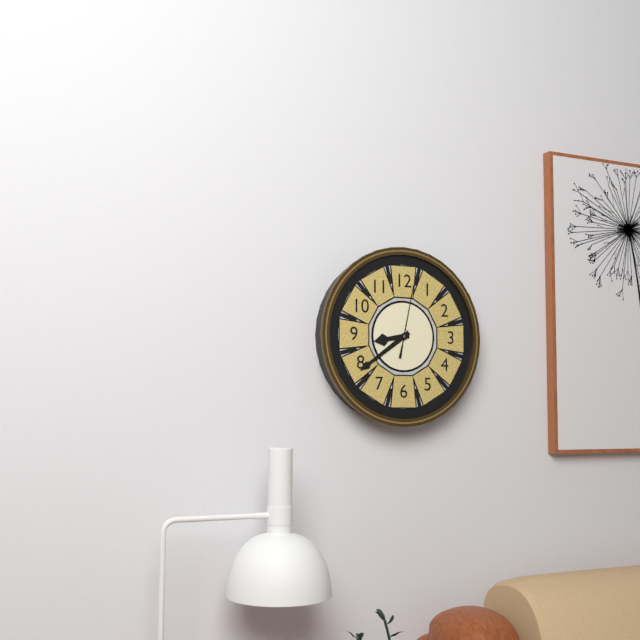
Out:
8 h 39 min 02 s
